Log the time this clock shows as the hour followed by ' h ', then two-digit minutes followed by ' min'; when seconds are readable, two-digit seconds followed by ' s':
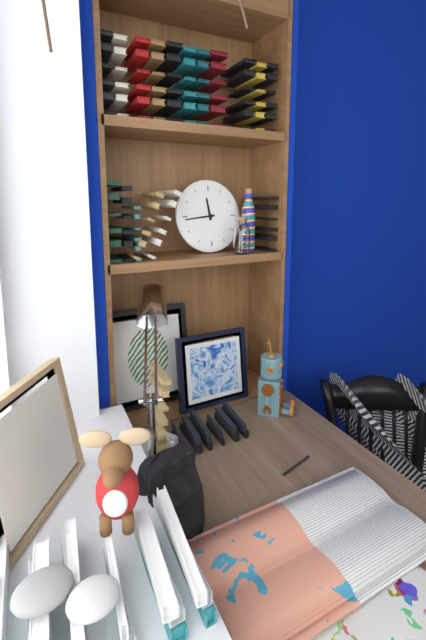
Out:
11 h 44 min
